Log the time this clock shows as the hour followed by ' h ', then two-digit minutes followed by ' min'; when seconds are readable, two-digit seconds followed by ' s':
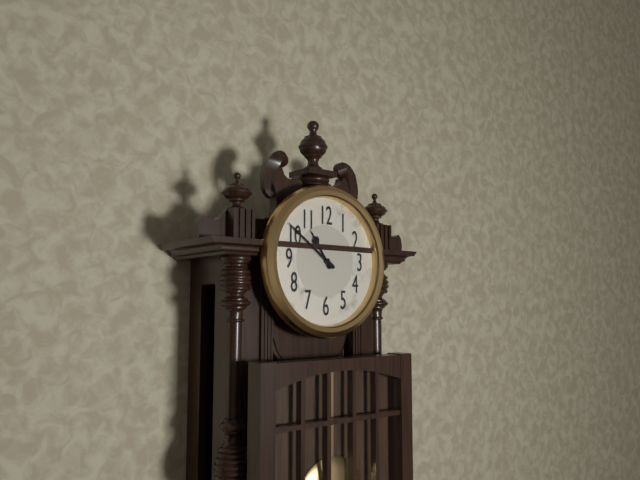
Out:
10 h 51 min
